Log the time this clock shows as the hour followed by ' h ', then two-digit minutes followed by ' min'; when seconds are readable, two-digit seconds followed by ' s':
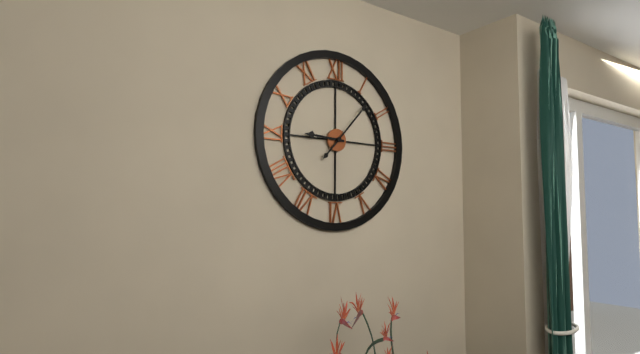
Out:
9 h 07 min
